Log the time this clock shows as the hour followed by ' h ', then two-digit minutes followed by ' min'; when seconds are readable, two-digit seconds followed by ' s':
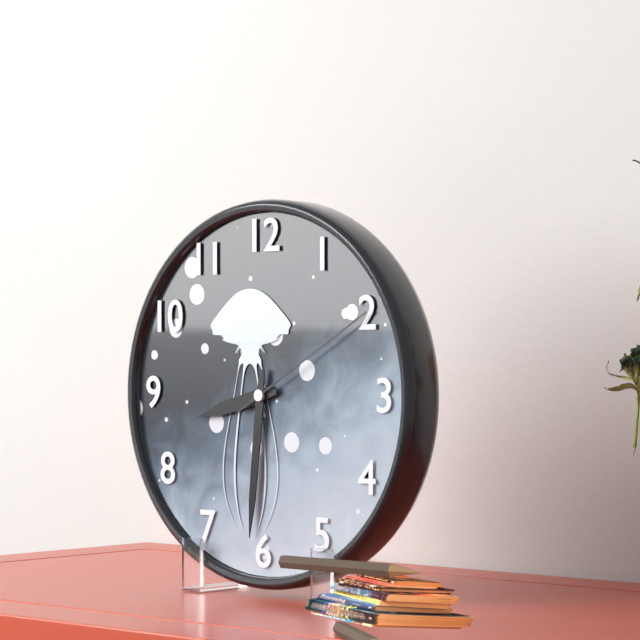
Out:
8 h 31 min 10 s
